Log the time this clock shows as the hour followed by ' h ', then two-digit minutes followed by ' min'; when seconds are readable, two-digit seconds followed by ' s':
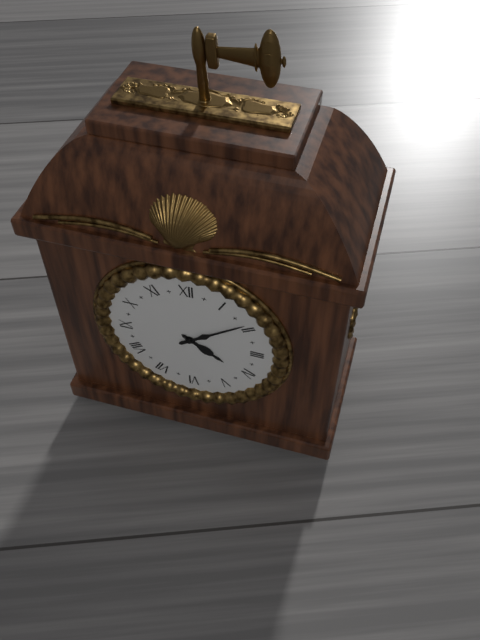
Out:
4 h 09 min
